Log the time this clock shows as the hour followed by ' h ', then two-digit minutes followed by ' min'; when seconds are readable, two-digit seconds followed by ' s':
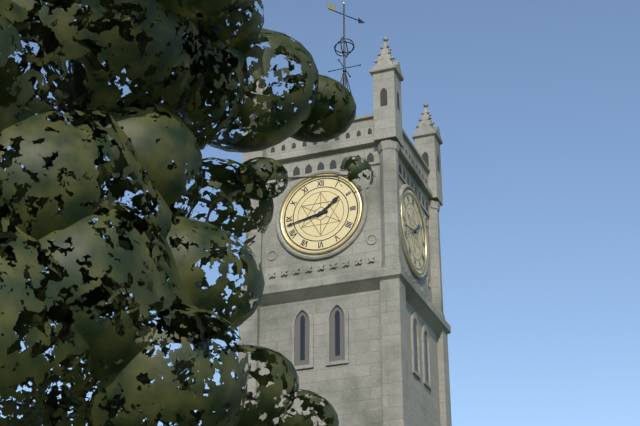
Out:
1 h 43 min
